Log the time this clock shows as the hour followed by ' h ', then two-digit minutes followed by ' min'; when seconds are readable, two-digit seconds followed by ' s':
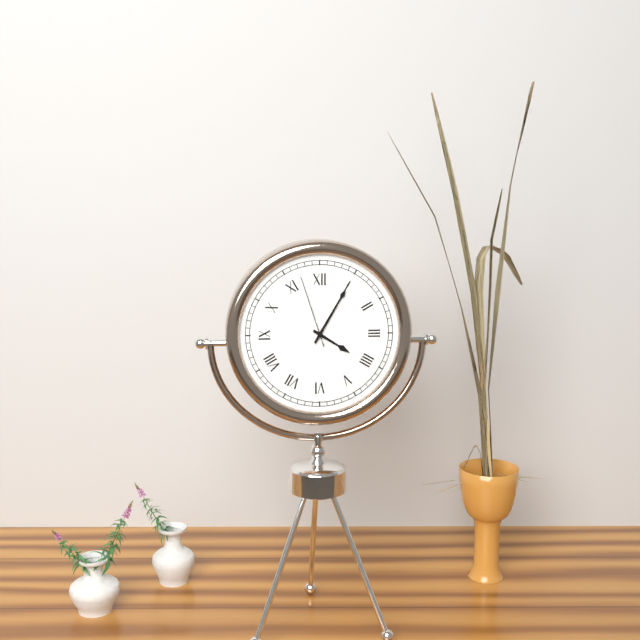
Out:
4 h 05 min 57 s
